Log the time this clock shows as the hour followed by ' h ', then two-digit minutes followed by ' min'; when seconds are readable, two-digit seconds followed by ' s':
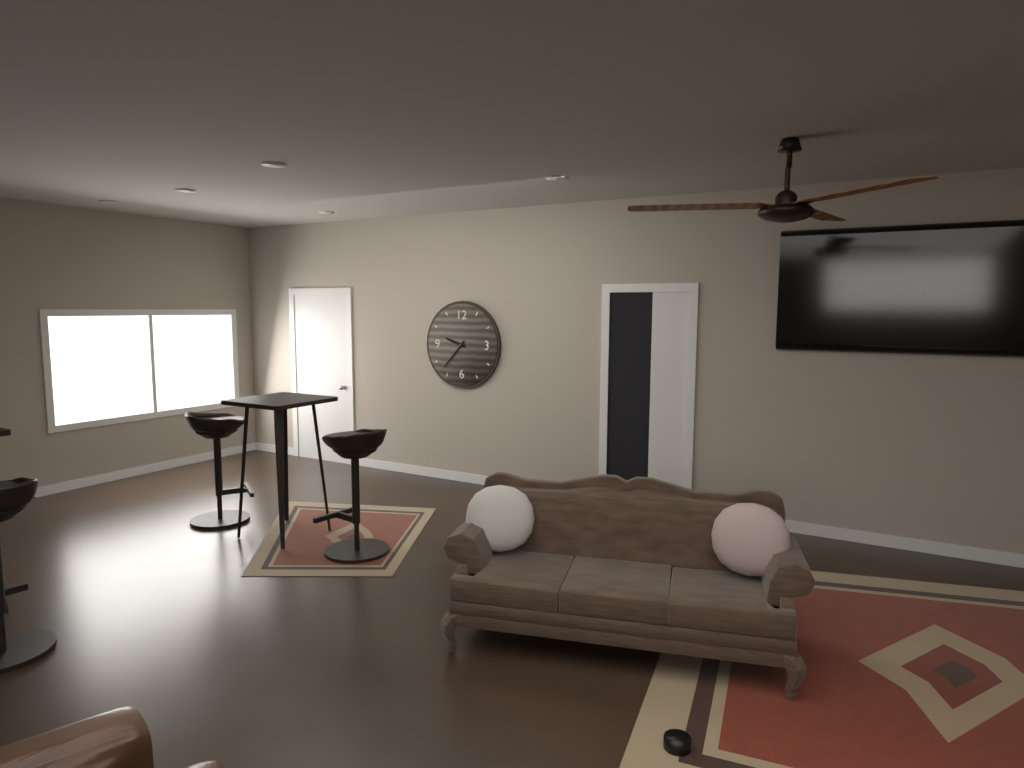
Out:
9 h 37 min
